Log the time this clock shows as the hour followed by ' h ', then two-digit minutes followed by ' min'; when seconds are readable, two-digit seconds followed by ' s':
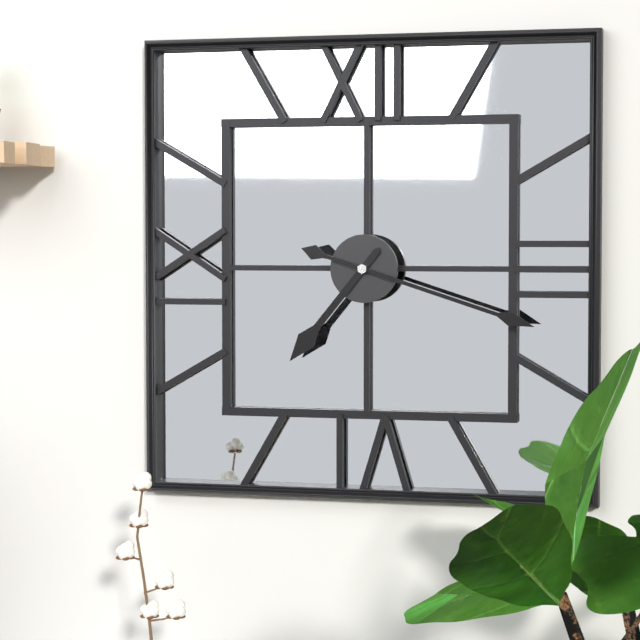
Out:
7 h 18 min
